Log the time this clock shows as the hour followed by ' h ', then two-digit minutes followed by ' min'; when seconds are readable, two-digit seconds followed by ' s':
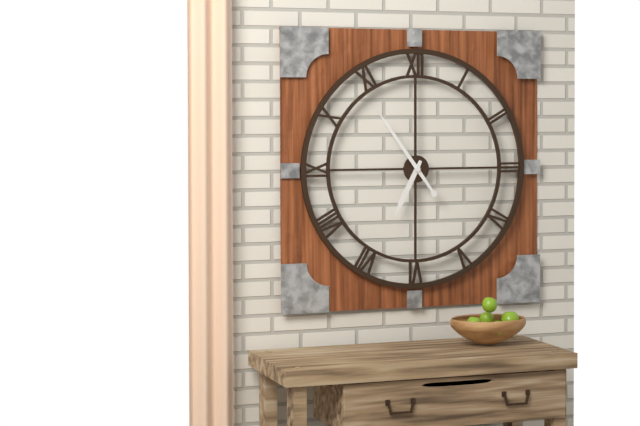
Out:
6 h 54 min
